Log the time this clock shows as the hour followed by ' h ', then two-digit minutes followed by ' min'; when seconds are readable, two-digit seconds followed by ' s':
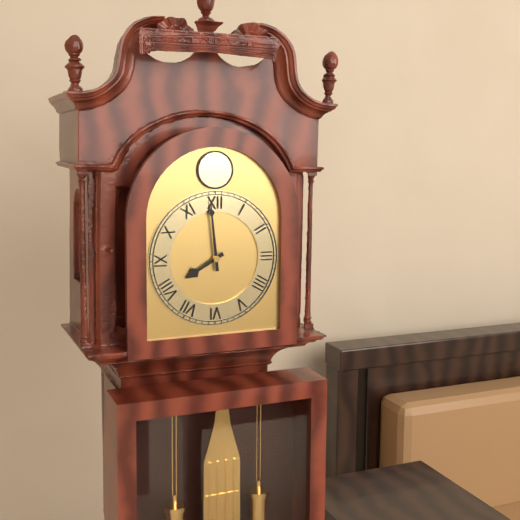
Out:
7 h 59 min
